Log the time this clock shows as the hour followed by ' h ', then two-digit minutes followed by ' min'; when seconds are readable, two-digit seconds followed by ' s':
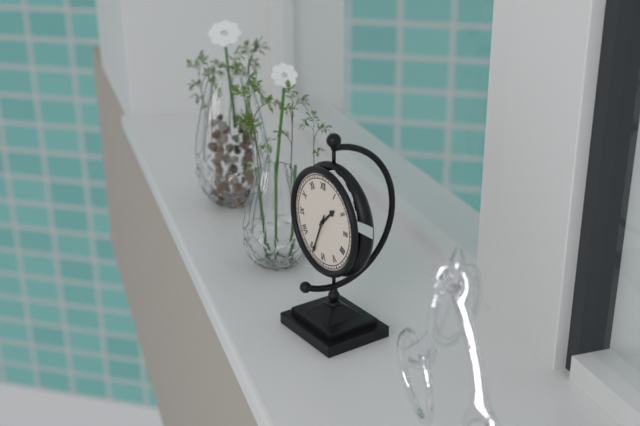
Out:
1 h 34 min
